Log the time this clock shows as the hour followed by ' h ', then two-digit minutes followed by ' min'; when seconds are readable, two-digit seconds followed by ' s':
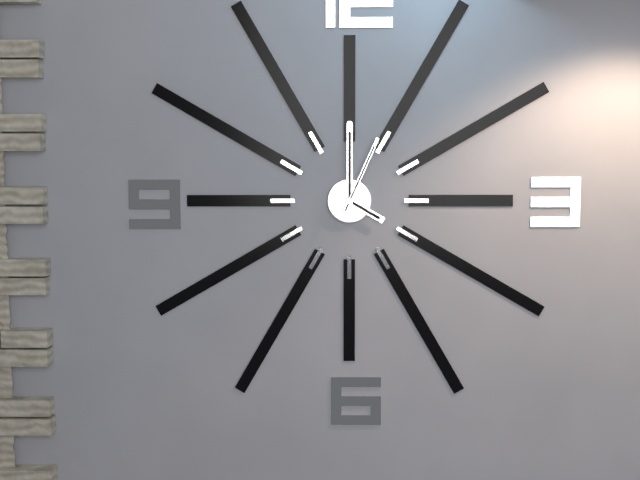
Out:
4 h 00 min 04 s
